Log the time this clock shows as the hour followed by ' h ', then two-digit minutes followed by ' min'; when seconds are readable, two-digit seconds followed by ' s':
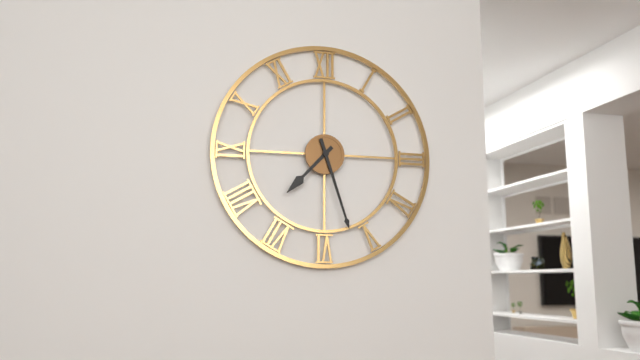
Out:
7 h 27 min
